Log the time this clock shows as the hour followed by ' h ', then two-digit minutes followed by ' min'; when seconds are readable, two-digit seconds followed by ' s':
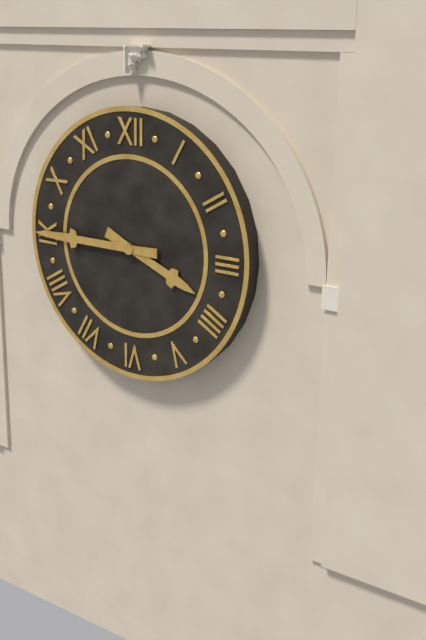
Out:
3 h 45 min
